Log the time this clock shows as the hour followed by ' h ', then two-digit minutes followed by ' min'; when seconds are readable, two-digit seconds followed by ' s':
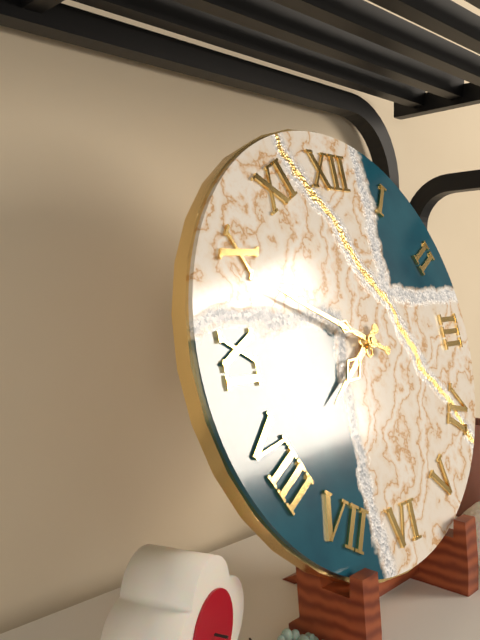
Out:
7 h 49 min
